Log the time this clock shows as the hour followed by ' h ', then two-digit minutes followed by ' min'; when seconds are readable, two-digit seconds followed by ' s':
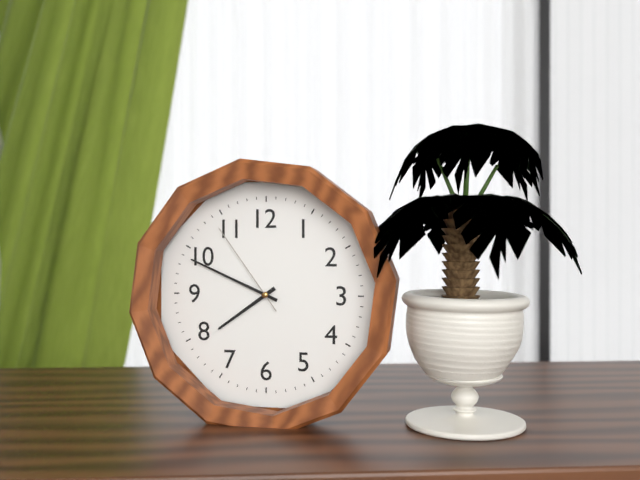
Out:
7 h 49 min 54 s
